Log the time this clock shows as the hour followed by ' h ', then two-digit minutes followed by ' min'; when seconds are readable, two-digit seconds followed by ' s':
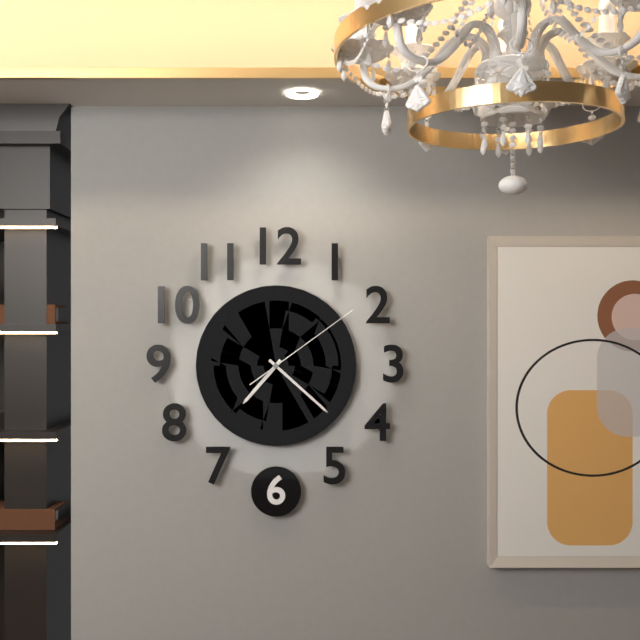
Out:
7 h 22 min 09 s
